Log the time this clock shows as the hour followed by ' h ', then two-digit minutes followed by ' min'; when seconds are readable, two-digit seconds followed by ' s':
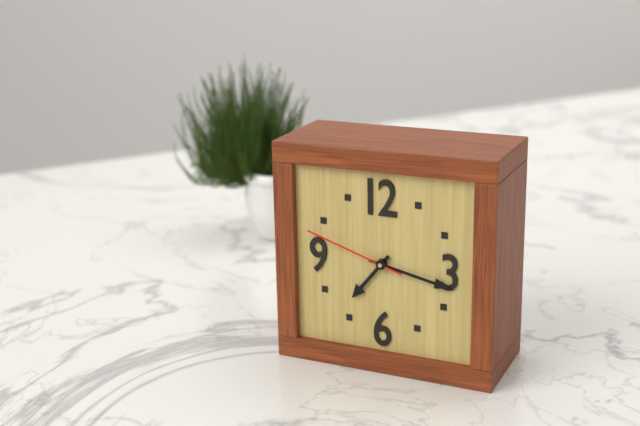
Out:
7 h 17 min 48 s
